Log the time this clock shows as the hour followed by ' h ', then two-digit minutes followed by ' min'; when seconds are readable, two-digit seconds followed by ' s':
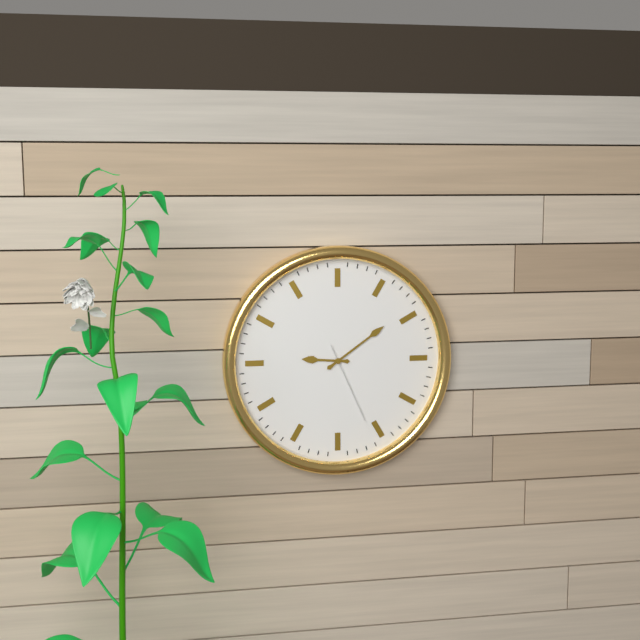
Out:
9 h 09 min 26 s
